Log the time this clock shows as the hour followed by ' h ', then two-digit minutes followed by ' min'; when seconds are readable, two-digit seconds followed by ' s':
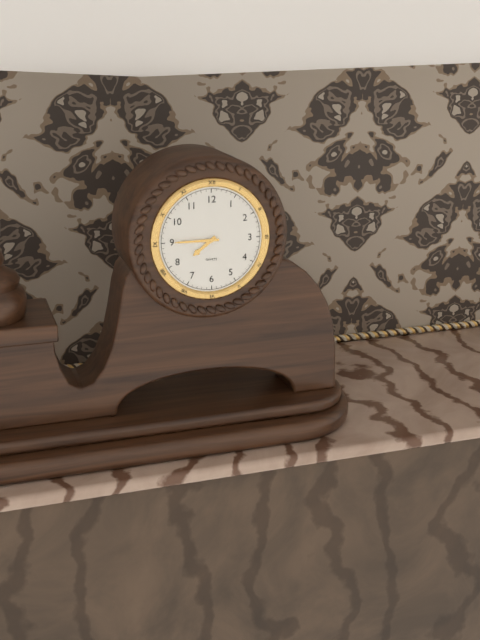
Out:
7 h 45 min
